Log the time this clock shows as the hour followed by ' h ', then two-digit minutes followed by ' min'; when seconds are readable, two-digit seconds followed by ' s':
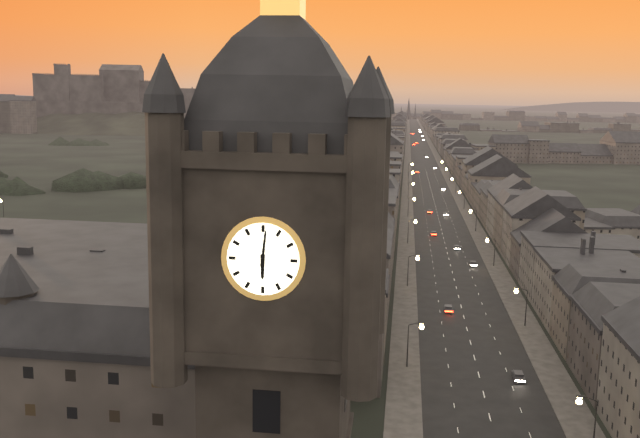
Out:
6 h 01 min
